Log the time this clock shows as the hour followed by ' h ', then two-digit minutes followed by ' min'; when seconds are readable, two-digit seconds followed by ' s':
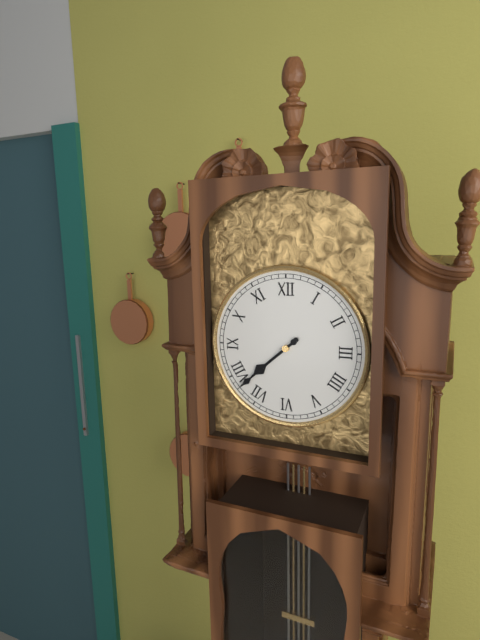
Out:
7 h 38 min
